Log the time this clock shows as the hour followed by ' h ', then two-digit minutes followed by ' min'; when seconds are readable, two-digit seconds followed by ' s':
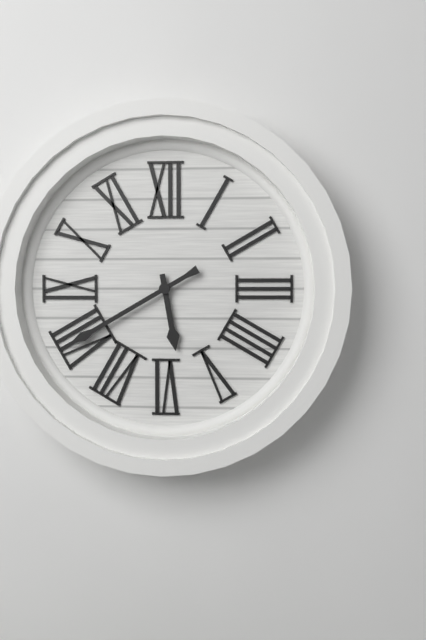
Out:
5 h 40 min
